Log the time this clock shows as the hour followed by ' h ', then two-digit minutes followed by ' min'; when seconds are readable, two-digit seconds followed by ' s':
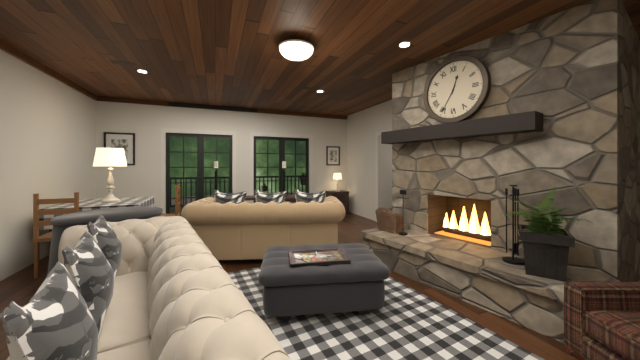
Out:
12 h 35 min
